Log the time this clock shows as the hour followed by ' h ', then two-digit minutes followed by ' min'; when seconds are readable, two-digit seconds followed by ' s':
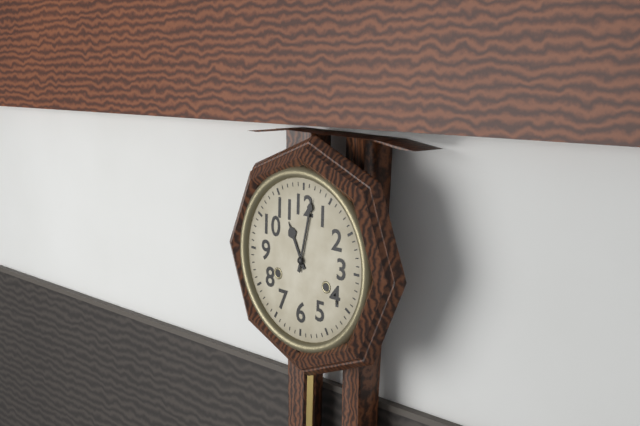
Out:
11 h 02 min
